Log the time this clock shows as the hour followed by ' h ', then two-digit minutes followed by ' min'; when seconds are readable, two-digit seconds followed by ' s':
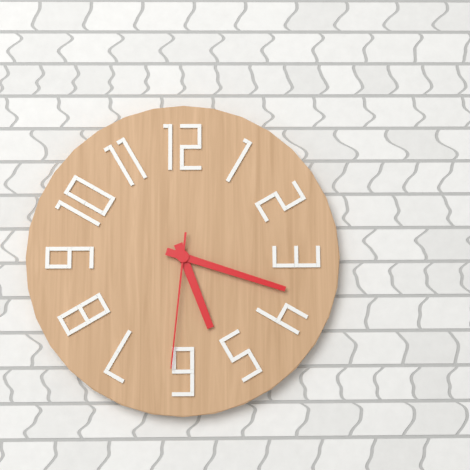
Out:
5 h 18 min 31 s
